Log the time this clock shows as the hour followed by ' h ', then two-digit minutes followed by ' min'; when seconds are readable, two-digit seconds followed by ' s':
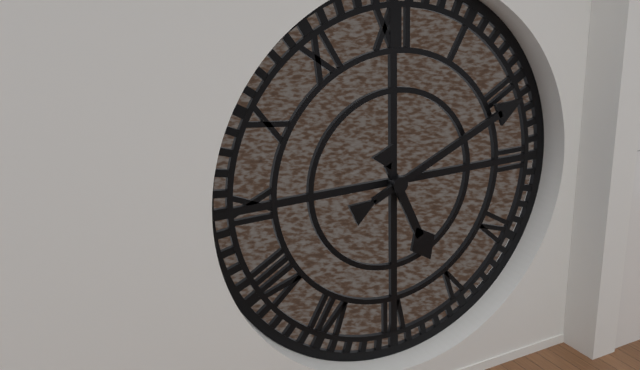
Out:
5 h 11 min
